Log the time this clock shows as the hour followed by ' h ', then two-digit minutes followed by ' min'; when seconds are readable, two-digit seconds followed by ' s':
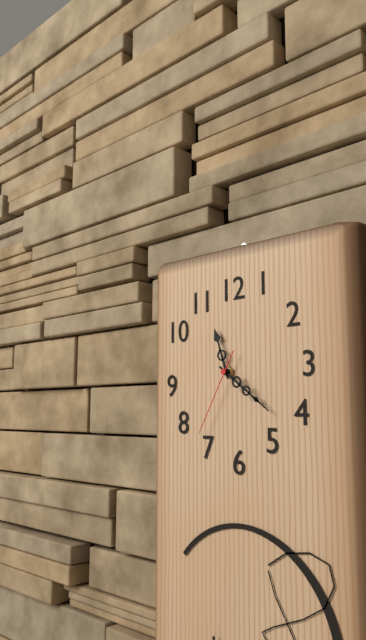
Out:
11 h 21 min 35 s
